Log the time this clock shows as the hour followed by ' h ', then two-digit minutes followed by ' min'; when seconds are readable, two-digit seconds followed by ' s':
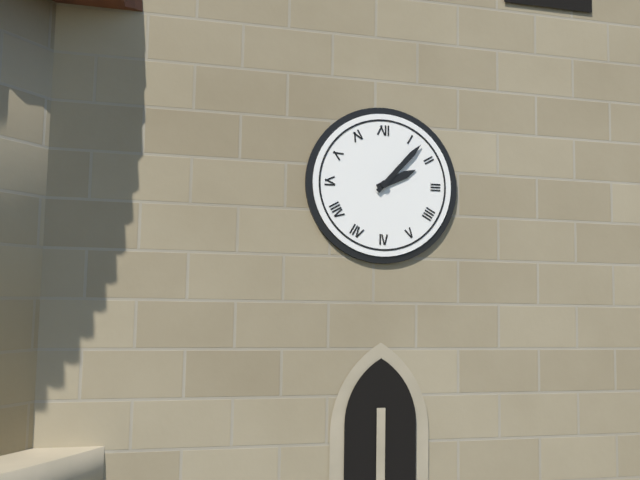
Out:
2 h 07 min
